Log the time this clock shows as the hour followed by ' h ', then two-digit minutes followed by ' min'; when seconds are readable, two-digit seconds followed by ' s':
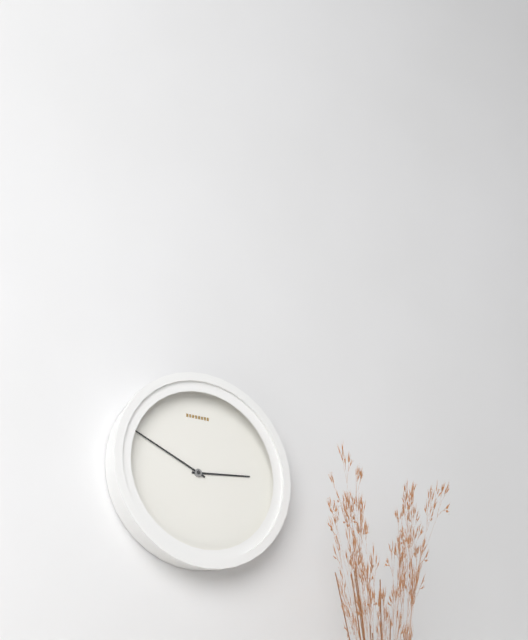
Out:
2 h 49 min
